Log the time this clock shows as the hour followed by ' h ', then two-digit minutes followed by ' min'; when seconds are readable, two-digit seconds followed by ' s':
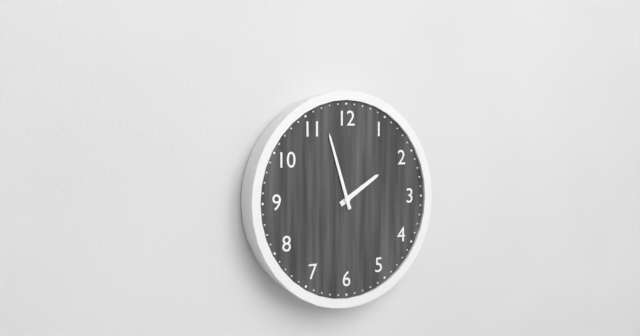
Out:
1 h 57 min
